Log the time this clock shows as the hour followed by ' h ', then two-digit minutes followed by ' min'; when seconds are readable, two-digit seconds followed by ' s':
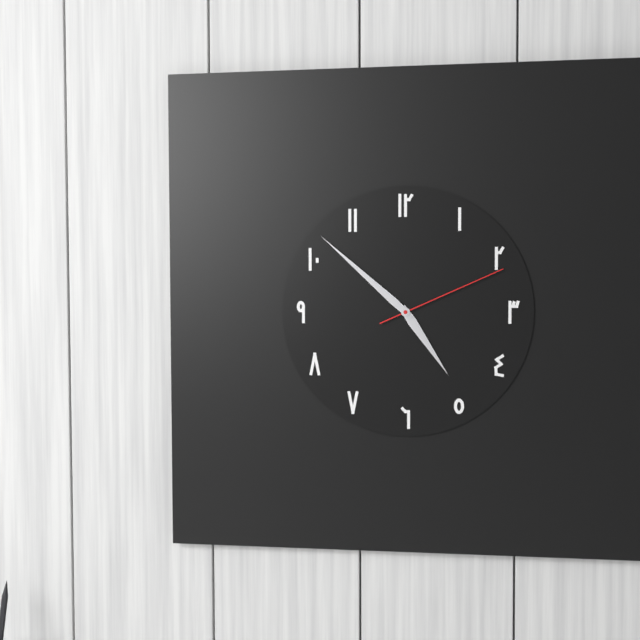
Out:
4 h 52 min 11 s
